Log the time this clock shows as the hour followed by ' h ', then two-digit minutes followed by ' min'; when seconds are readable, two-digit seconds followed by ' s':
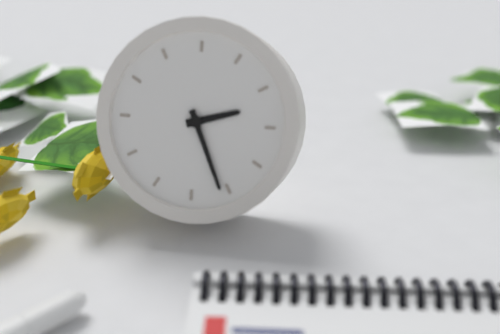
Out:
2 h 26 min
